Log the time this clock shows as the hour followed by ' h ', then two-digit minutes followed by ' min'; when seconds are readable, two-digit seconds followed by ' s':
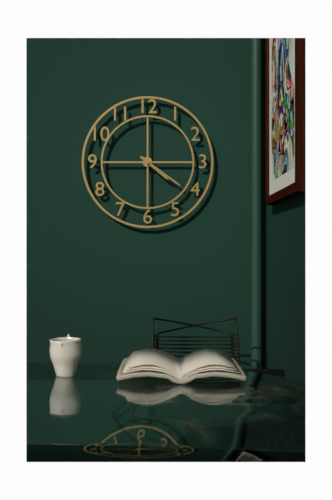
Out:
4 h 21 min
